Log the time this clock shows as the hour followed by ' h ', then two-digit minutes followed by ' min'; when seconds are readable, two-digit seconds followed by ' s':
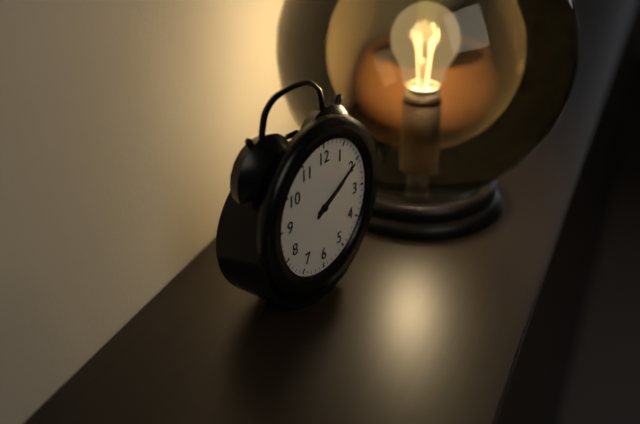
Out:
2 h 10 min
